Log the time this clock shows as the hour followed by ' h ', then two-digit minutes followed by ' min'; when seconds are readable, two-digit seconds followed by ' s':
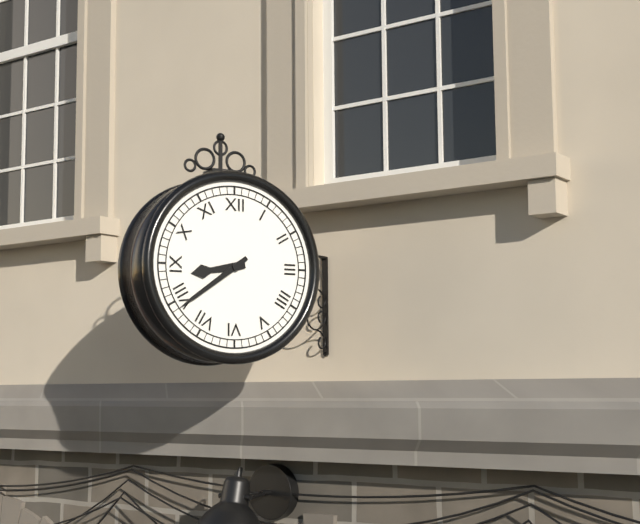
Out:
8 h 39 min
